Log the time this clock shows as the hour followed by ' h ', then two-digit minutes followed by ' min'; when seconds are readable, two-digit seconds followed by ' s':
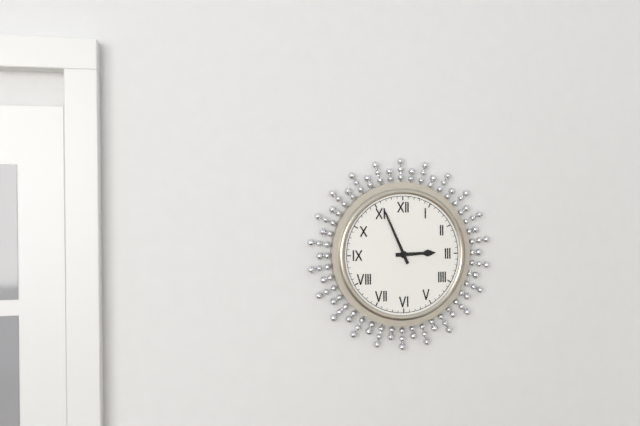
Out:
2 h 56 min
